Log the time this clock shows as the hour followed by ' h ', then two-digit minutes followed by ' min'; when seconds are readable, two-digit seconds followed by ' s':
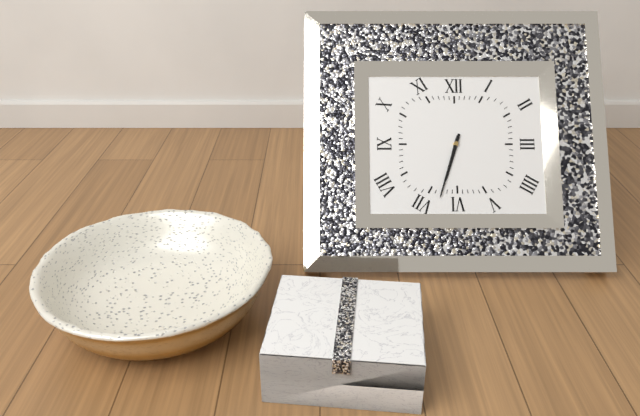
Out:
6 h 33 min
